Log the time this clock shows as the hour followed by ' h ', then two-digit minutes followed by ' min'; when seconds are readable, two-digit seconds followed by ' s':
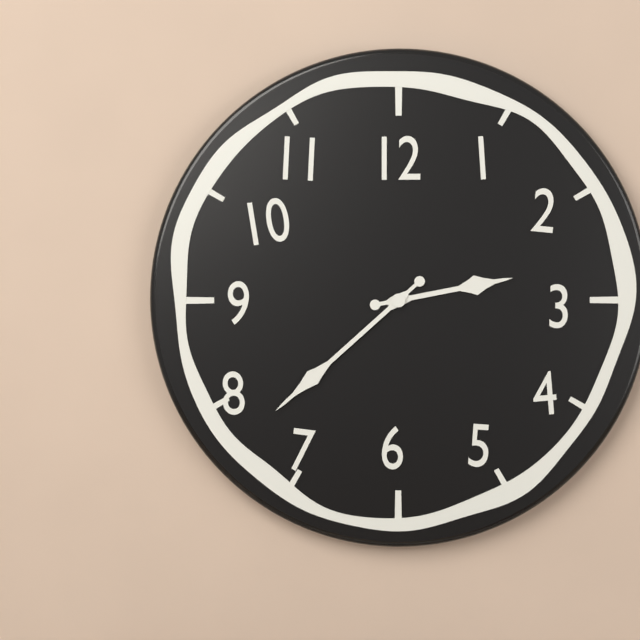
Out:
2 h 38 min
